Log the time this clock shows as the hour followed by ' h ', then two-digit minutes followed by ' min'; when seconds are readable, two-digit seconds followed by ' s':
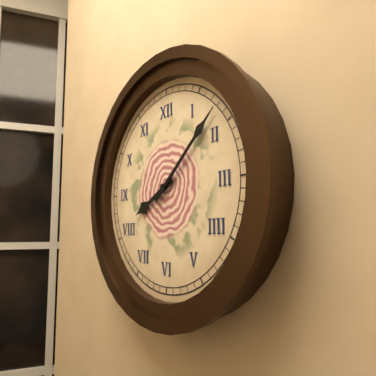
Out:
8 h 08 min
